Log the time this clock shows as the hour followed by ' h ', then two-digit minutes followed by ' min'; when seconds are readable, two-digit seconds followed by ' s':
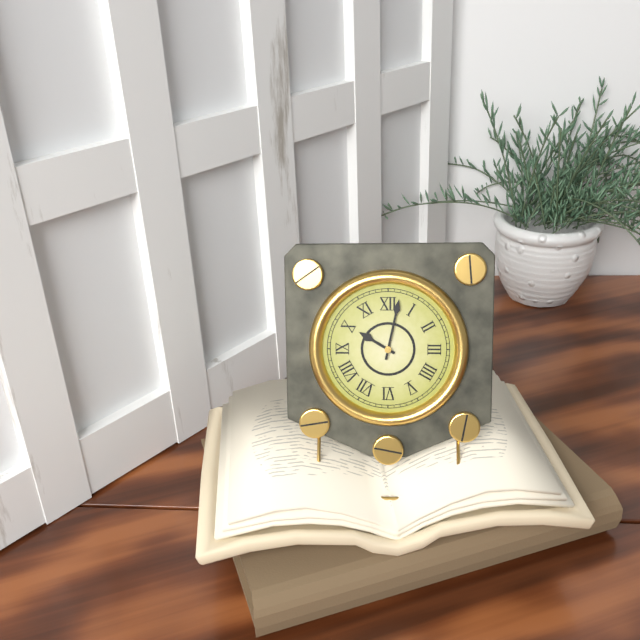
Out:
10 h 02 min
